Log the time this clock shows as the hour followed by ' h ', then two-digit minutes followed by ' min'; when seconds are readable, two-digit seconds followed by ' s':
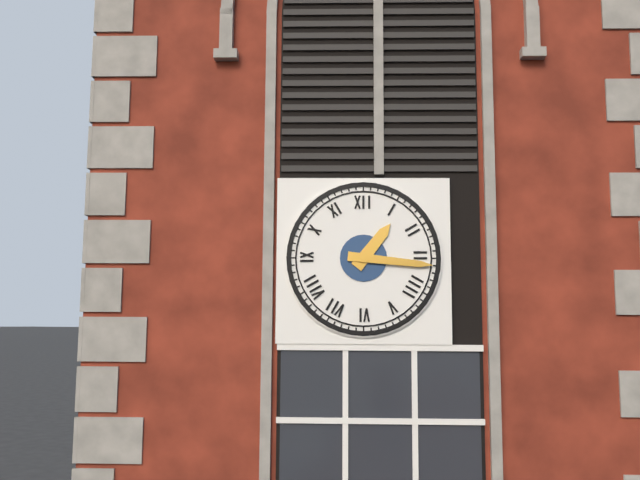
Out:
1 h 16 min
